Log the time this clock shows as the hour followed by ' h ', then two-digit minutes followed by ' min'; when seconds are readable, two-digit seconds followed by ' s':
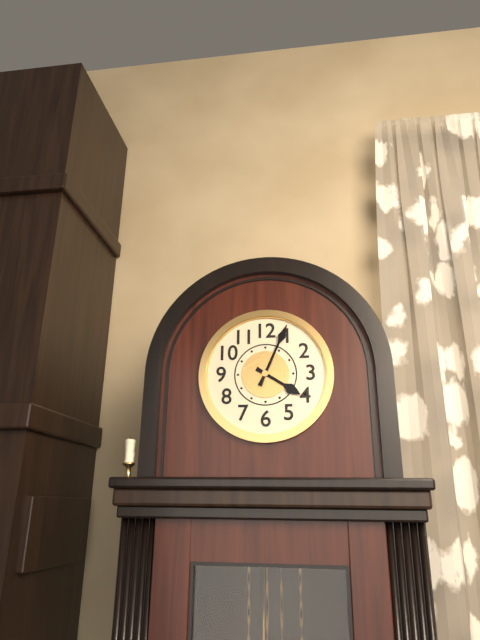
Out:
4 h 04 min
